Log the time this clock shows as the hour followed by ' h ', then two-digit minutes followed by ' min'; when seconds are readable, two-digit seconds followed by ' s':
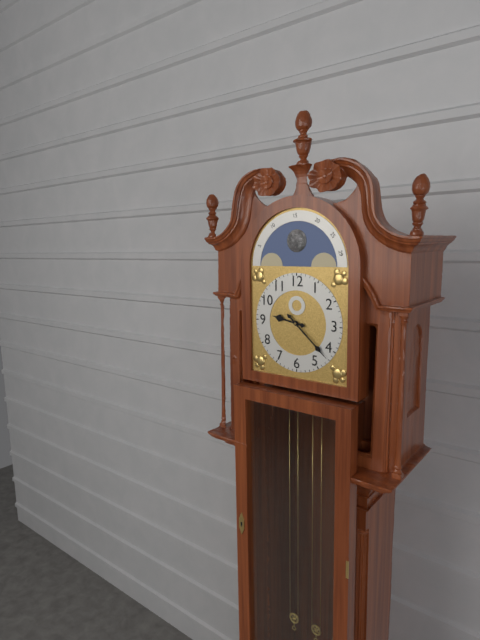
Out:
9 h 22 min
